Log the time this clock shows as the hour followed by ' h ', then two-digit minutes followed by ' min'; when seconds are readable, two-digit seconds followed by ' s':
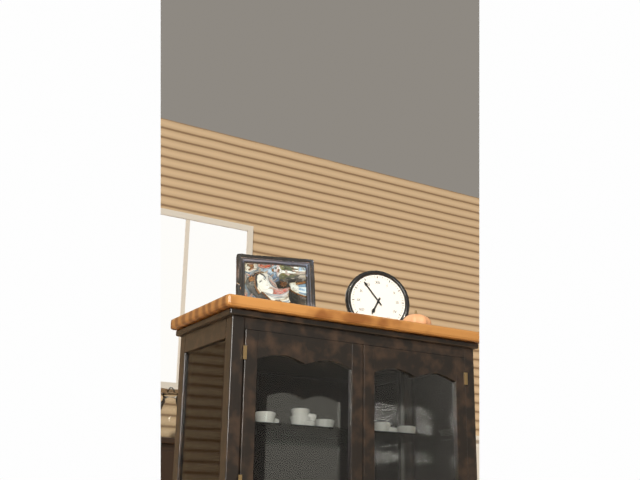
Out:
6 h 54 min
